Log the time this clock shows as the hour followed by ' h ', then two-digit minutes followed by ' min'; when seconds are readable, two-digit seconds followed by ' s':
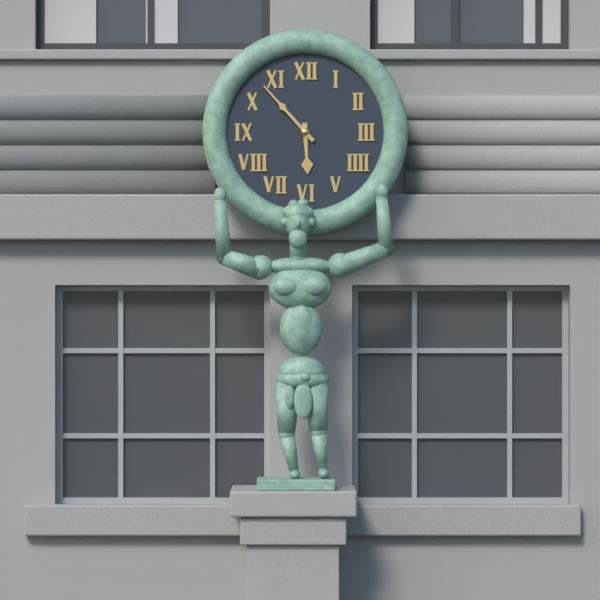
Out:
5 h 53 min
